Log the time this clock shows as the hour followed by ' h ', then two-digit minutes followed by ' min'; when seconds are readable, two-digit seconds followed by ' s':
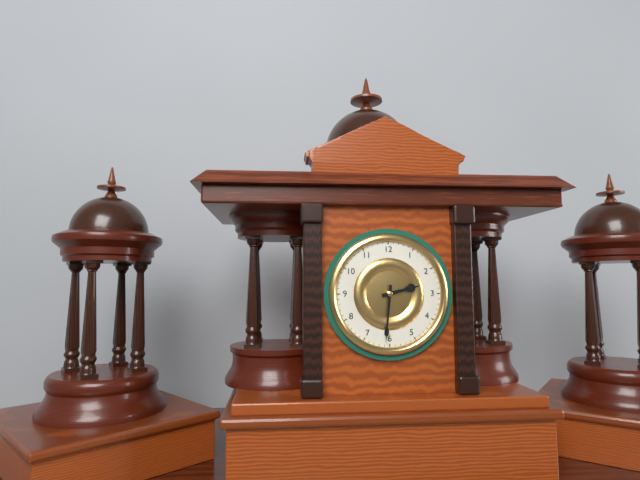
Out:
2 h 31 min
